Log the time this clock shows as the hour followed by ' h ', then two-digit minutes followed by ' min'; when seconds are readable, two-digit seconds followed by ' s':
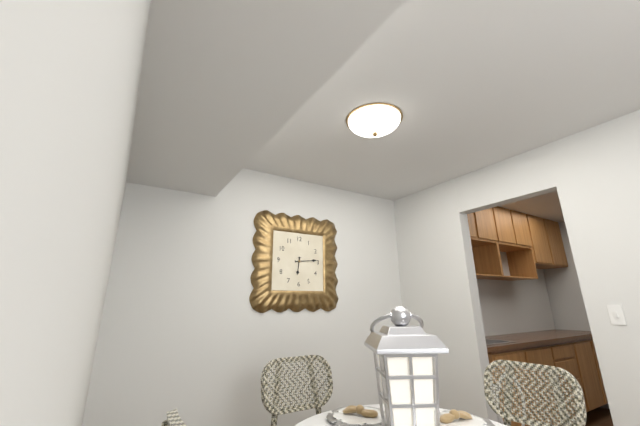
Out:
6 h 14 min
